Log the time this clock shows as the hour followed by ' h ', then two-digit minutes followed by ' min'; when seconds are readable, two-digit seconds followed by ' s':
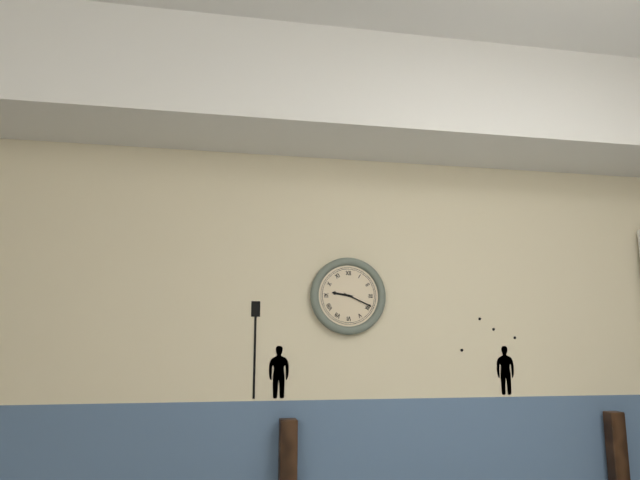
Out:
9 h 19 min
